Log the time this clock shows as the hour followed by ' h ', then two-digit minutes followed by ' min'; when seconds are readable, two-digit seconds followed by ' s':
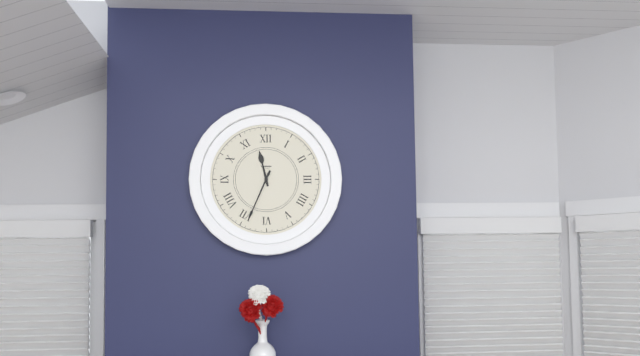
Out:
11 h 34 min
